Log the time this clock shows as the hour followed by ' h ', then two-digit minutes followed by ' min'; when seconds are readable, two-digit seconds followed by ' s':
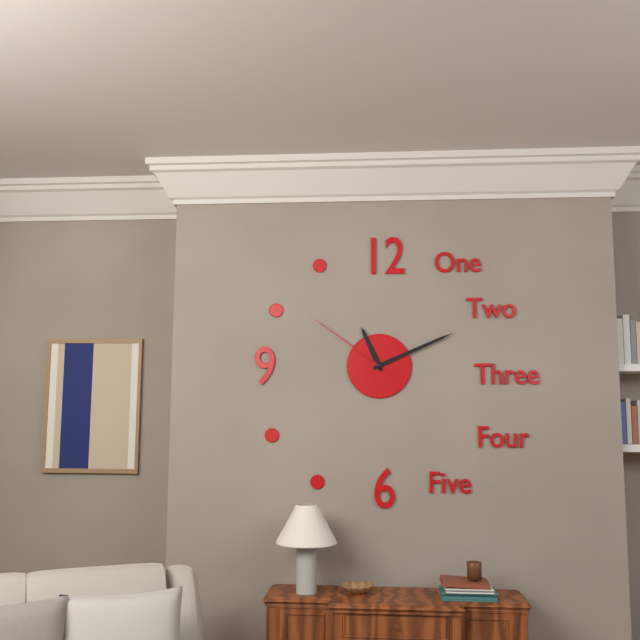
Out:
11 h 11 min 51 s
